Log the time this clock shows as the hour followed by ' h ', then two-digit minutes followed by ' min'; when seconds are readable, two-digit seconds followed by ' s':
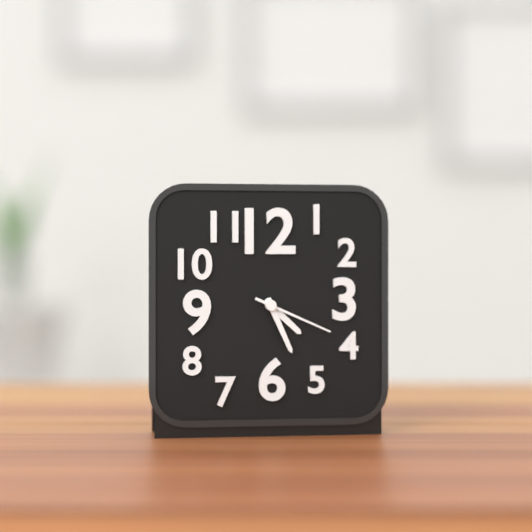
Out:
4 h 26 min 19 s
